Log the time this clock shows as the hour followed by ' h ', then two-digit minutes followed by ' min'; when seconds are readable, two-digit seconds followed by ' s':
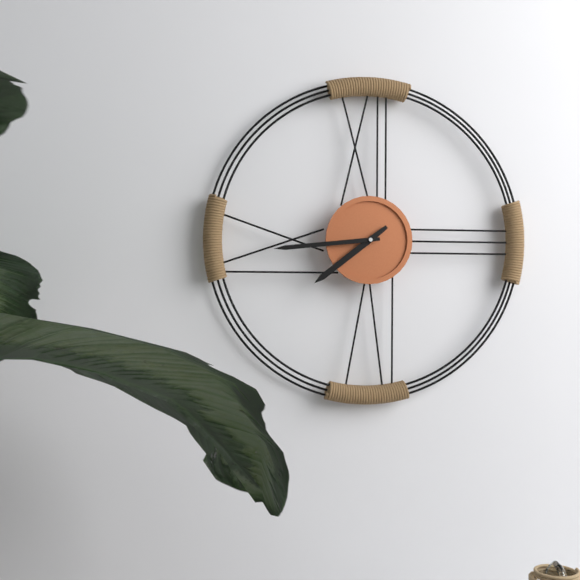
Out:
7 h 44 min
